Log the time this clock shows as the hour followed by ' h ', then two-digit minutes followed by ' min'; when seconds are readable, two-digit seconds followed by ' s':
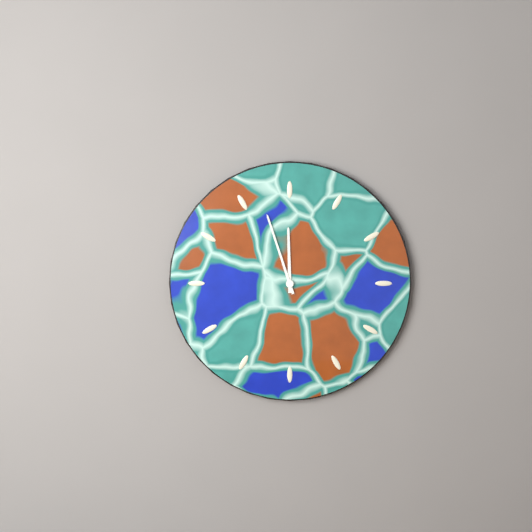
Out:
11 h 57 min
